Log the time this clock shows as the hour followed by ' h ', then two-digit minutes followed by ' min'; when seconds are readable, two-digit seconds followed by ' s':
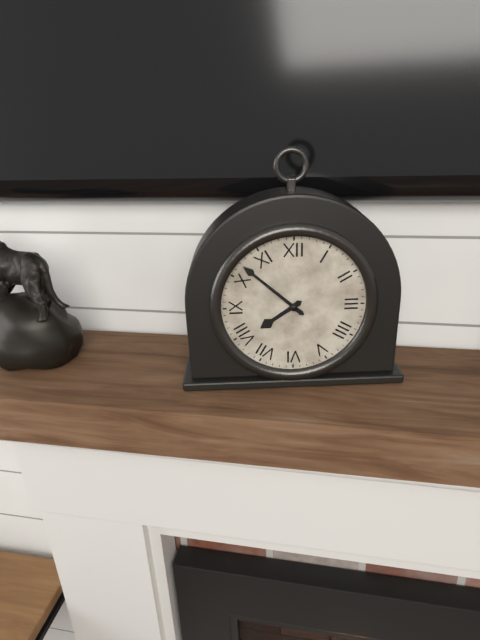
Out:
7 h 52 min
